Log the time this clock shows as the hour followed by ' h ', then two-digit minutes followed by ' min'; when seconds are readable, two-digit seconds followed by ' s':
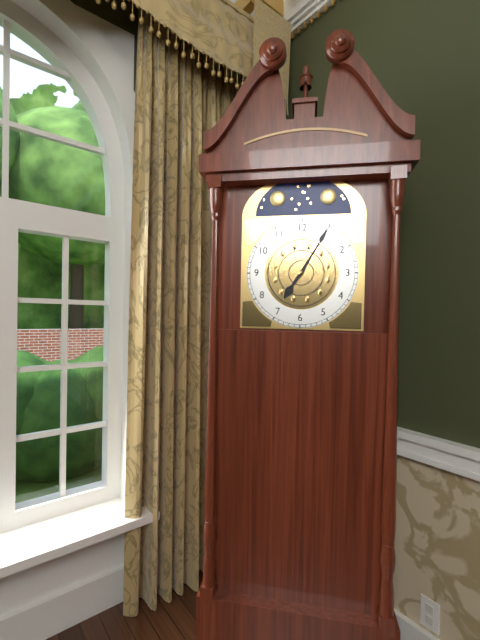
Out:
7 h 05 min
